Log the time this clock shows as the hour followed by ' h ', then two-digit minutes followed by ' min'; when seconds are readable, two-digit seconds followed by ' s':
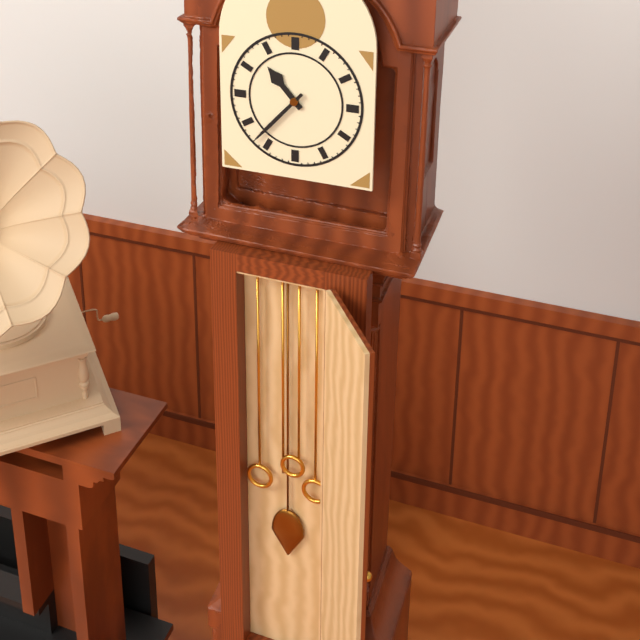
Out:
10 h 37 min
